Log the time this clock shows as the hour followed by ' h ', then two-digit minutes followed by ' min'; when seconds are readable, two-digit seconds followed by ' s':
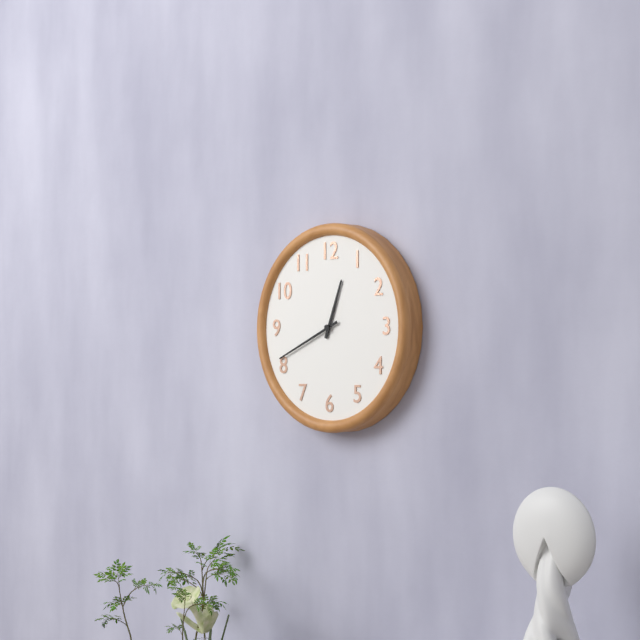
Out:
12 h 41 min
